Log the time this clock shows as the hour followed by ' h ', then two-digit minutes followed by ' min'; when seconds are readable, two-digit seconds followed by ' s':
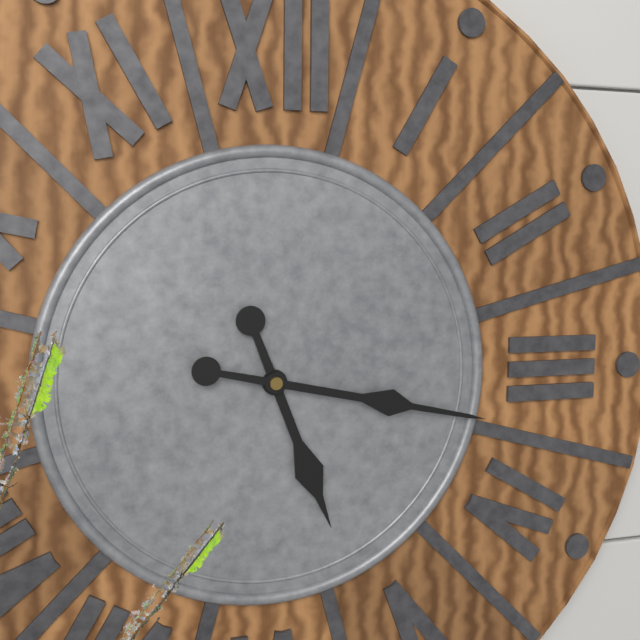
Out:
5 h 17 min
